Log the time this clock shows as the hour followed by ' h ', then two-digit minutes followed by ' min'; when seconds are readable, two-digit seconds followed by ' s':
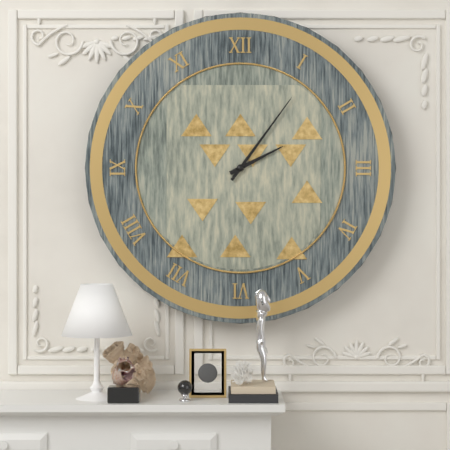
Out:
2 h 06 min
